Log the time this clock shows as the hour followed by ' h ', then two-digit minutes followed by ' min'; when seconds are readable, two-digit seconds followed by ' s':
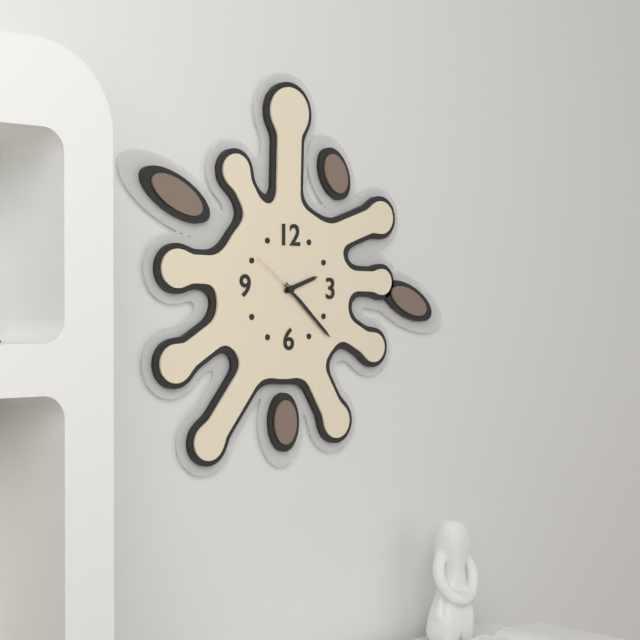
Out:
2 h 22 min 51 s
